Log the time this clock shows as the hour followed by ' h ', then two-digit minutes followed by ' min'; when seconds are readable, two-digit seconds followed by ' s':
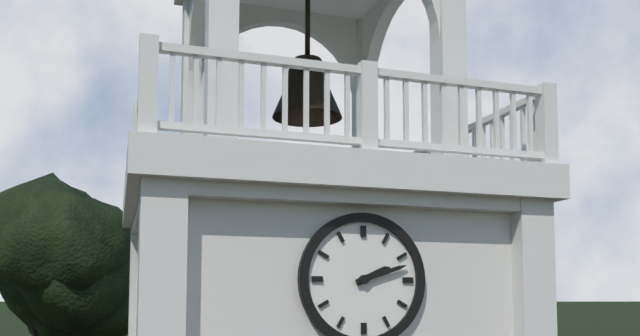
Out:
2 h 12 min
